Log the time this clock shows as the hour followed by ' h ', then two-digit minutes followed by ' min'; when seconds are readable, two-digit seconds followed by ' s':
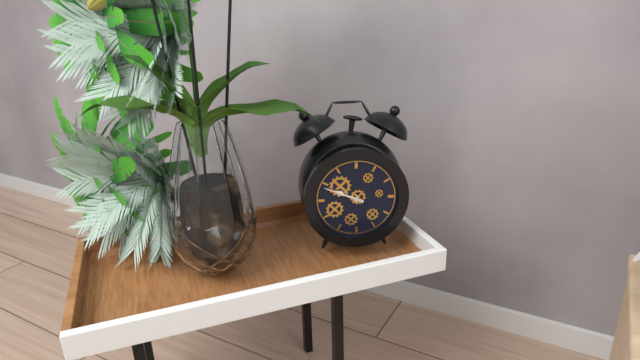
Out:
9 h 49 min
